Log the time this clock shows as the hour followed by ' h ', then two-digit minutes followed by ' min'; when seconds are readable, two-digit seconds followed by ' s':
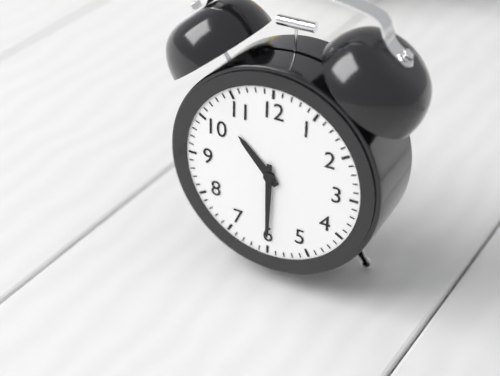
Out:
10 h 30 min
